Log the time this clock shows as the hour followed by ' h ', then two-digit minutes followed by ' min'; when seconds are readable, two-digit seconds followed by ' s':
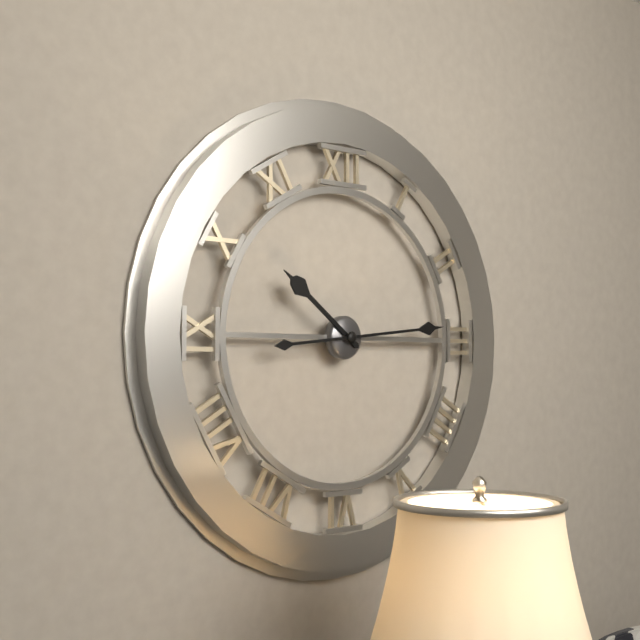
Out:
10 h 14 min
